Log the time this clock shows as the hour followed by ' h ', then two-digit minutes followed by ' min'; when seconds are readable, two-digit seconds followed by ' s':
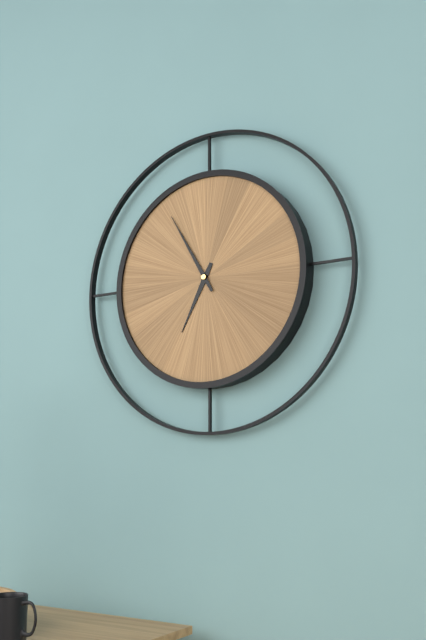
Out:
6 h 55 min
